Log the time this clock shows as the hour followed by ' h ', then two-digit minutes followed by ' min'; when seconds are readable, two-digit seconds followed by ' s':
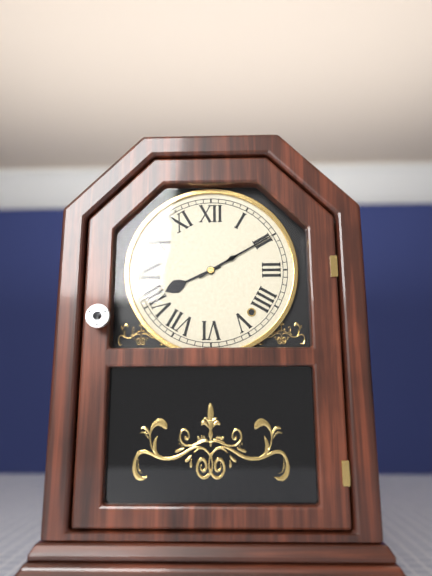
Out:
8 h 10 min
